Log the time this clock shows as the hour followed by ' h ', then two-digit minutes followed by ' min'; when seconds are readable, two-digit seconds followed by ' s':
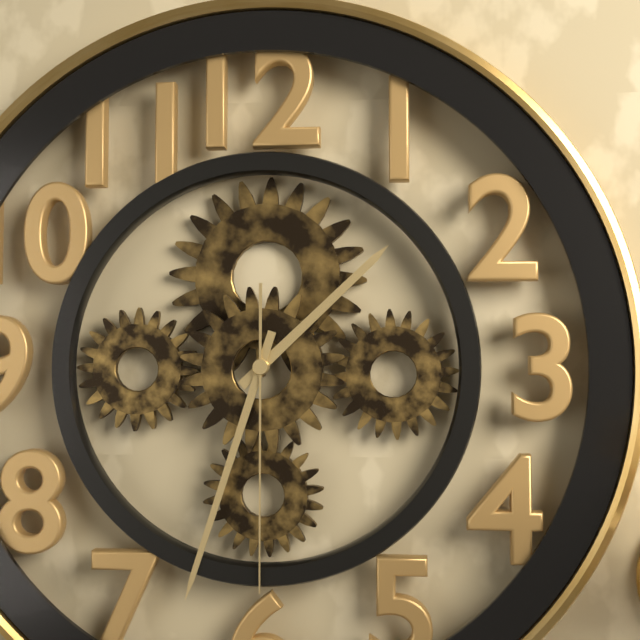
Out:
1 h 33 min 30 s
